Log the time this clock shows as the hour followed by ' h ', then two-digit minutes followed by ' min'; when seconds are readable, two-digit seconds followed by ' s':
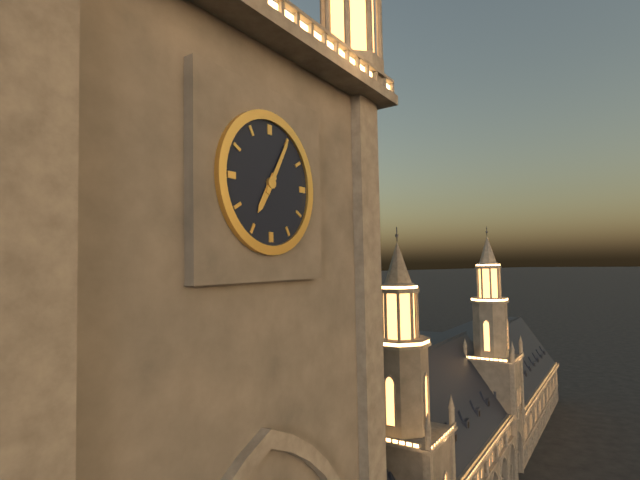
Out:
7 h 05 min
